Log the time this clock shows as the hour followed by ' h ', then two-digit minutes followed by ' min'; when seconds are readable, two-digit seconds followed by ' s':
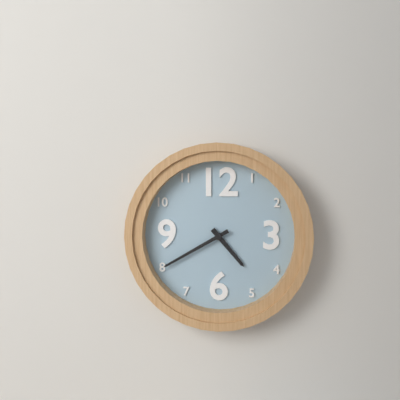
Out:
4 h 40 min
